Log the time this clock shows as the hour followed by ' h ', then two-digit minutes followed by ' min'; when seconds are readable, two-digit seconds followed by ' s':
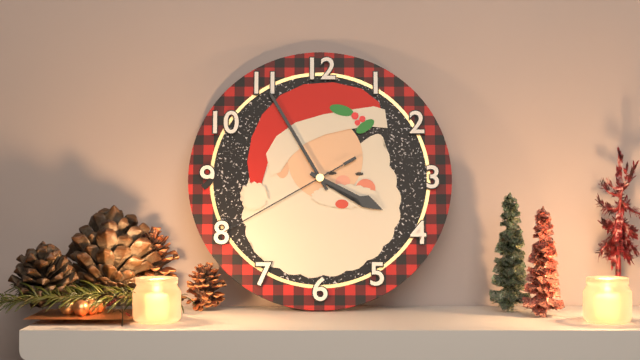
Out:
3 h 55 min 40 s
